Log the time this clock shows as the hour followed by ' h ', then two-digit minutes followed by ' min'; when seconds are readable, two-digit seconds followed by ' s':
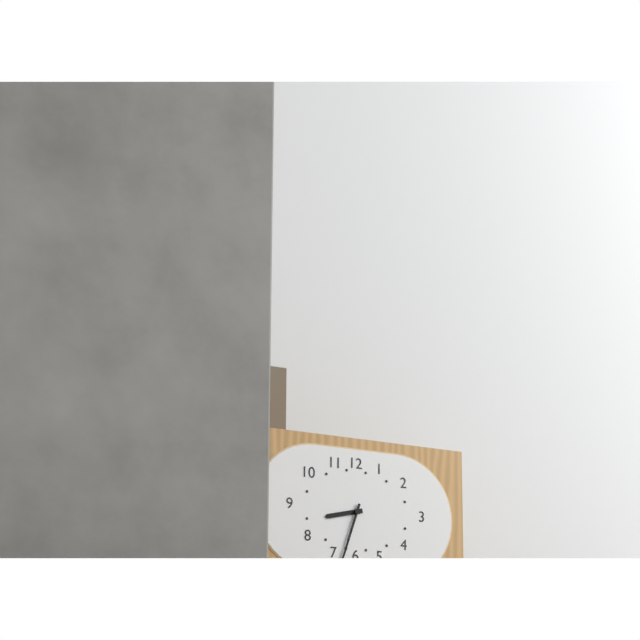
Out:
8 h 33 min
